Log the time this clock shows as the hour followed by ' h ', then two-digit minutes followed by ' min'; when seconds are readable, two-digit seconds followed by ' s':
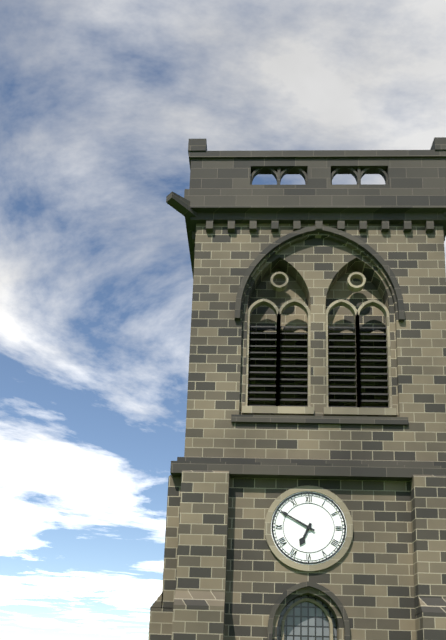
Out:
6 h 50 min
